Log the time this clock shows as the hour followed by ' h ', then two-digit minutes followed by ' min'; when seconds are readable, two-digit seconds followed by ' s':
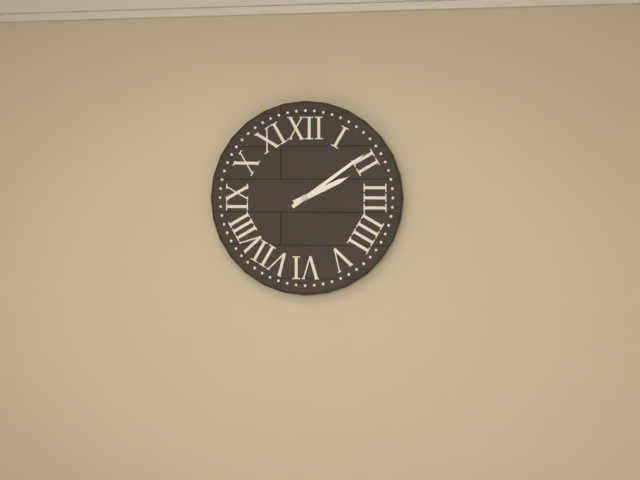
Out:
2 h 09 min
